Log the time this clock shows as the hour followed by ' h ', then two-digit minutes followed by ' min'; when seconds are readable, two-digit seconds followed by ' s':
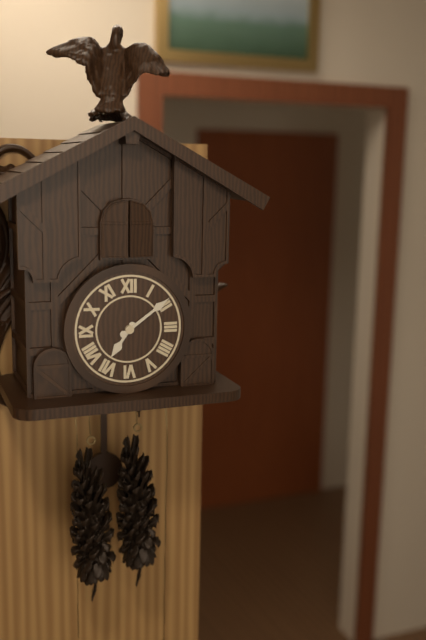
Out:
7 h 09 min
